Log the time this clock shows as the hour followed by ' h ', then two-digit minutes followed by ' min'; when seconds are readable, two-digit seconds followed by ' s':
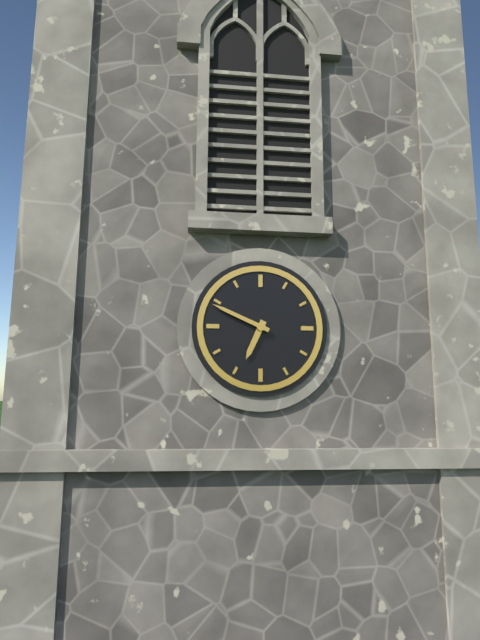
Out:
6 h 49 min
